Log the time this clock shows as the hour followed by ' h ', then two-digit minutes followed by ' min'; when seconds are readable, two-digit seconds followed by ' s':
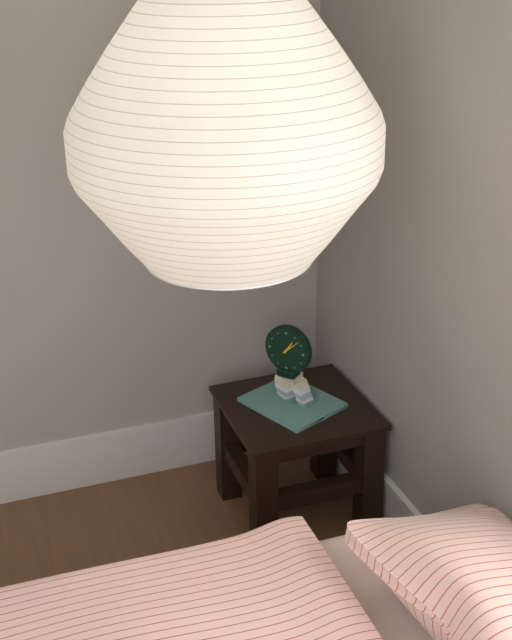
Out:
1 h 08 min
